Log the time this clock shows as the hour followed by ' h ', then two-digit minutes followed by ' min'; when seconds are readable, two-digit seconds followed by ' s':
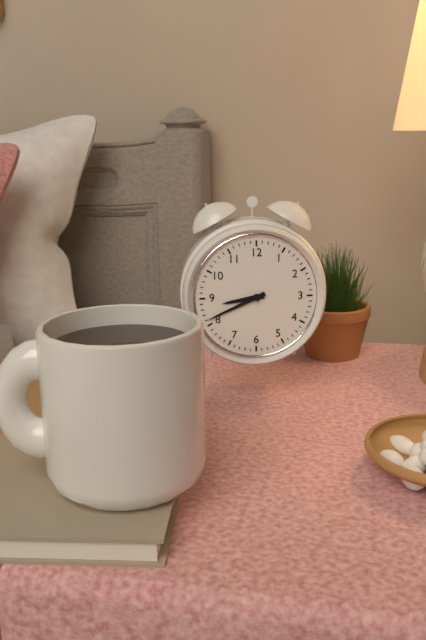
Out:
8 h 41 min
